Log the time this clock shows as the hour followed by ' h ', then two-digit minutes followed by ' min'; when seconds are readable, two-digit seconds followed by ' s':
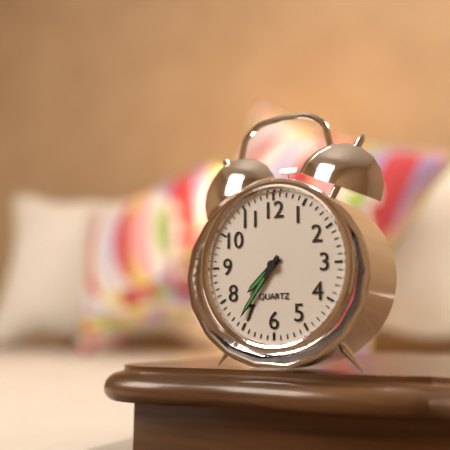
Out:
7 h 36 min
